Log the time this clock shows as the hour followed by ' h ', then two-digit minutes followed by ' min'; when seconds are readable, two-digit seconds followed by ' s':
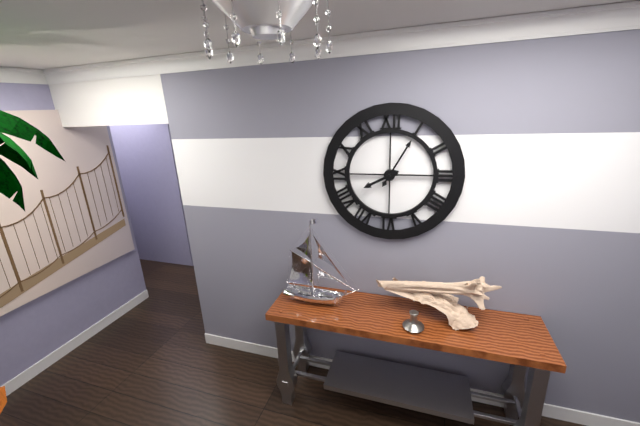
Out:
8 h 05 min
